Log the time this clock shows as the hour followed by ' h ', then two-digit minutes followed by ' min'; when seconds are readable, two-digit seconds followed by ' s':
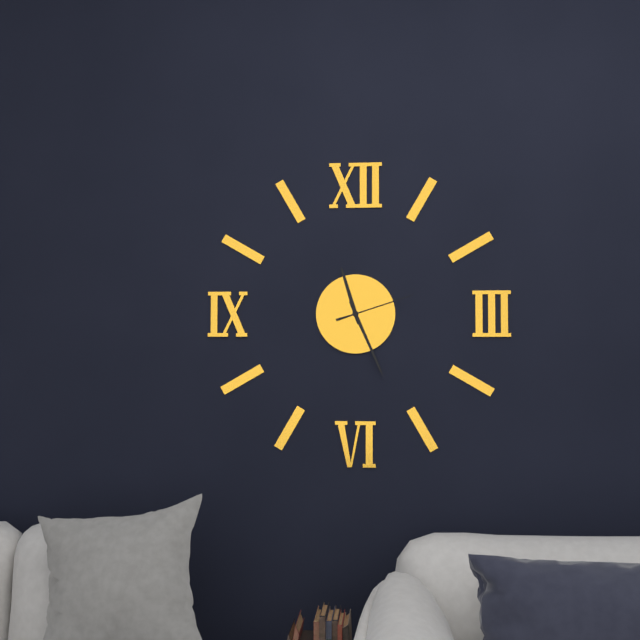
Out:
11 h 26 min 12 s
